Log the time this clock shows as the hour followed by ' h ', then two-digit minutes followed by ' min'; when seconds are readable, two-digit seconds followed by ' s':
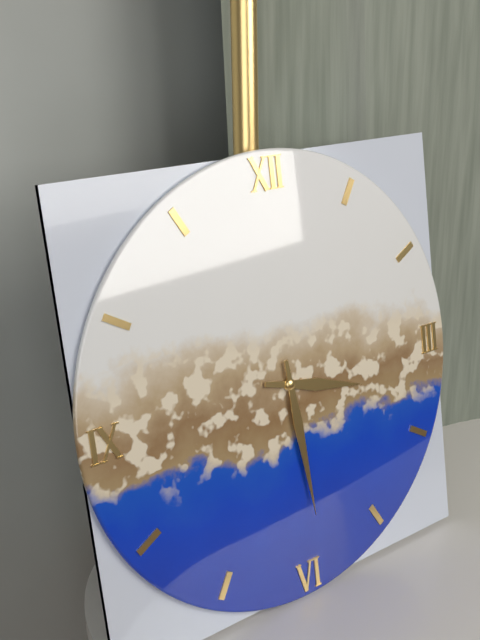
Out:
3 h 29 min
